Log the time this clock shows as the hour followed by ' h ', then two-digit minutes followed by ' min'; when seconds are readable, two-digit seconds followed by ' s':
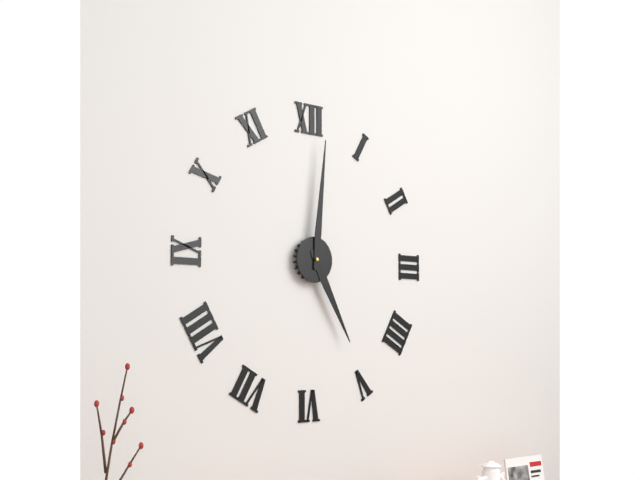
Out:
5 h 01 min
